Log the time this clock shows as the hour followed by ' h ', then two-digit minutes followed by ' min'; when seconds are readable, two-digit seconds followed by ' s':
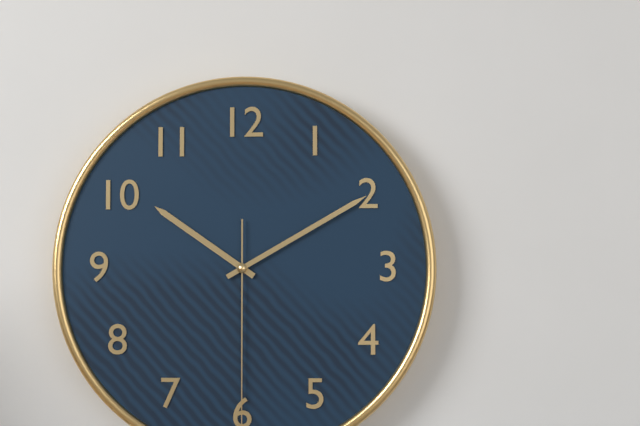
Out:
10 h 10 min
